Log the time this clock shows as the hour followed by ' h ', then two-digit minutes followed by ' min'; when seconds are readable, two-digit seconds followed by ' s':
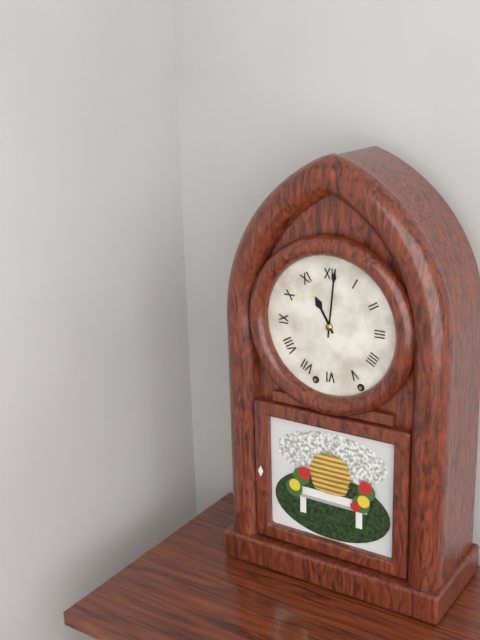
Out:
11 h 01 min
